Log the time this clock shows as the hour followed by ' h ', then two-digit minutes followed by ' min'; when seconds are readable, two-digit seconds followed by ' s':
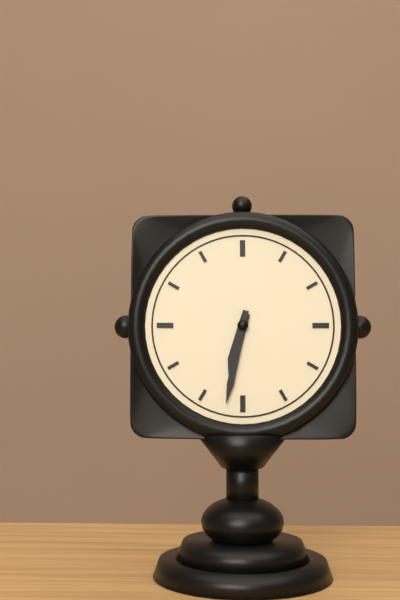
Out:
6 h 32 min
